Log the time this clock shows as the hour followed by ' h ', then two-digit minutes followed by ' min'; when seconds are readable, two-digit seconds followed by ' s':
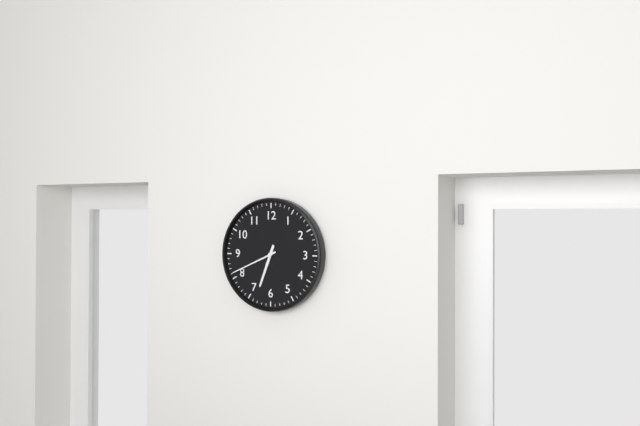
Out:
6 h 41 min
